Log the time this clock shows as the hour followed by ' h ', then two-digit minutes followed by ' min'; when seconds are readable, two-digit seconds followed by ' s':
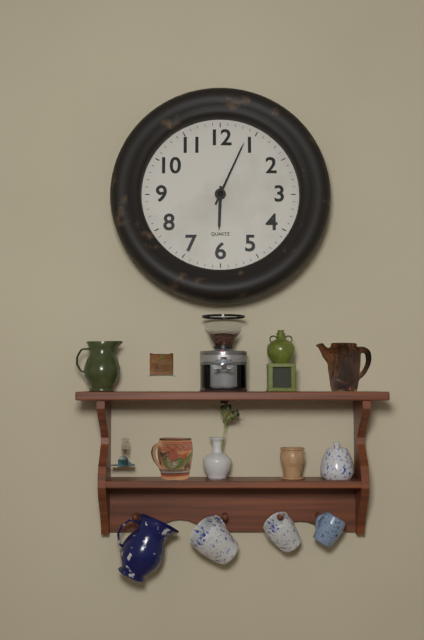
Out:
6 h 04 min
